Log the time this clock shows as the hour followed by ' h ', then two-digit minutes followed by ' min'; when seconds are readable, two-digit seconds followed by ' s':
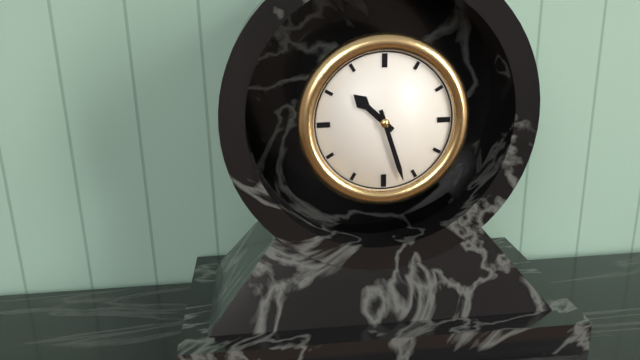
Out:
10 h 27 min
